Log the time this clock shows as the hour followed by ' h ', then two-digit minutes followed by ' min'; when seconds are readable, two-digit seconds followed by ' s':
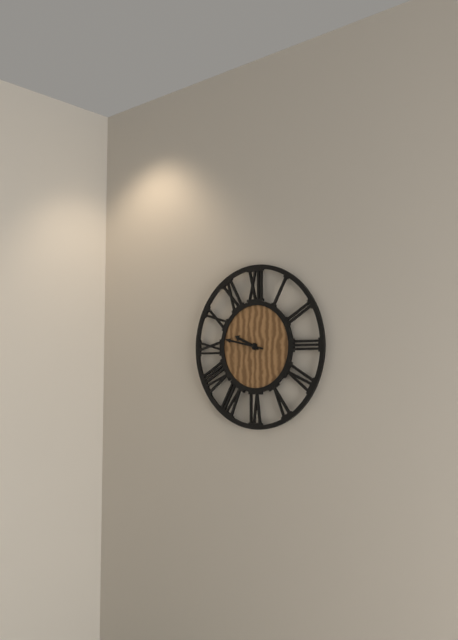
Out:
9 h 47 min
